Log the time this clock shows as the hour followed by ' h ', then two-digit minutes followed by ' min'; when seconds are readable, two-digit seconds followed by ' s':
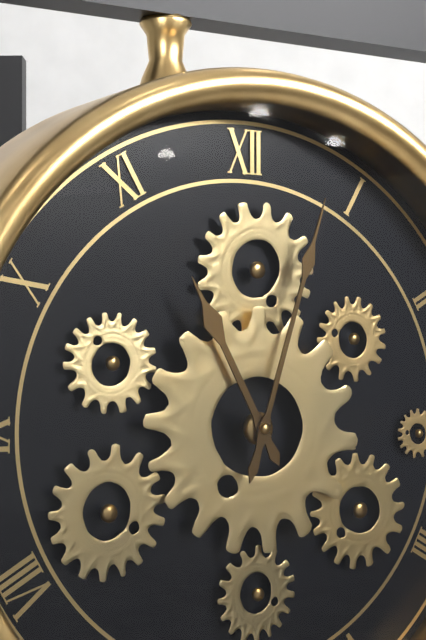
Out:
11 h 03 min
